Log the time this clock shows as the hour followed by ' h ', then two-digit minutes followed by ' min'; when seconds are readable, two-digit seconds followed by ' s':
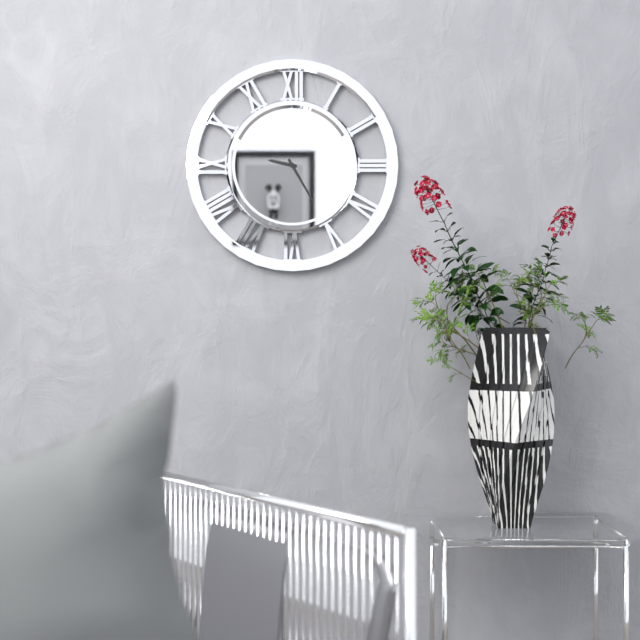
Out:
9 h 25 min
